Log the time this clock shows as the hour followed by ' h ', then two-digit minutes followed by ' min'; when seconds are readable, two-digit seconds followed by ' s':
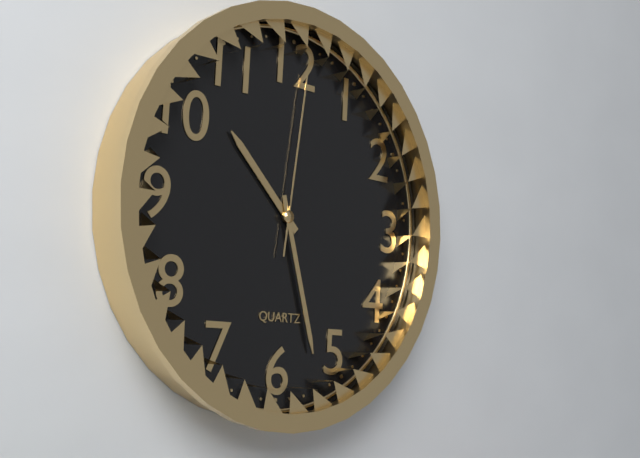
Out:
10 h 27 min 01 s
